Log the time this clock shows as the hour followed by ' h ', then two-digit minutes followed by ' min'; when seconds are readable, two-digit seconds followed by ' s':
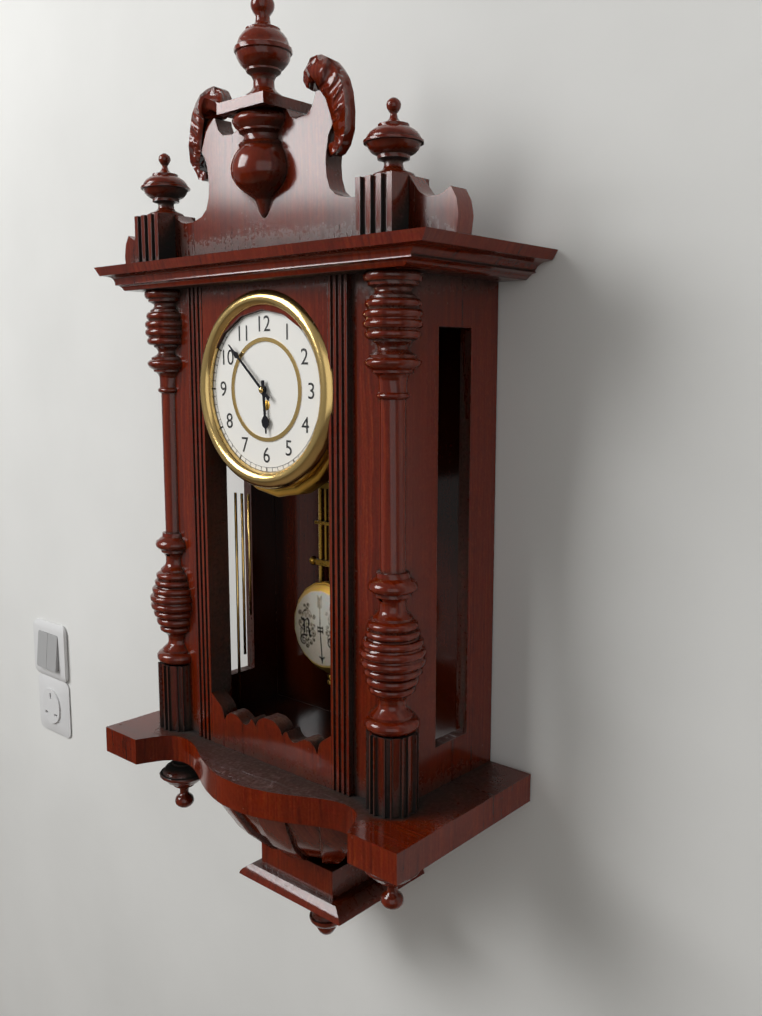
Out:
5 h 52 min
